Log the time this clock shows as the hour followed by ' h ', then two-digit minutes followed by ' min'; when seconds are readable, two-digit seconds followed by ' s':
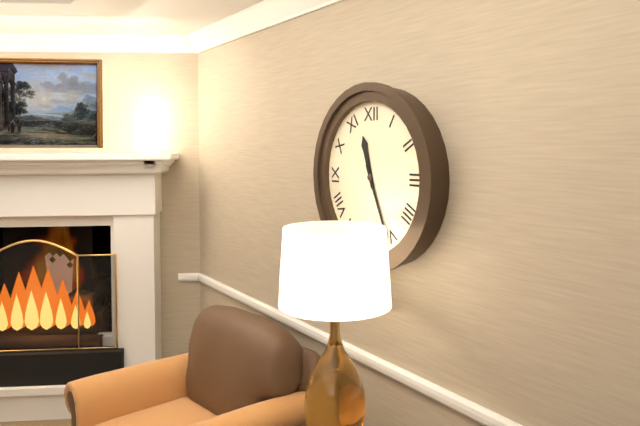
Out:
11 h 26 min
